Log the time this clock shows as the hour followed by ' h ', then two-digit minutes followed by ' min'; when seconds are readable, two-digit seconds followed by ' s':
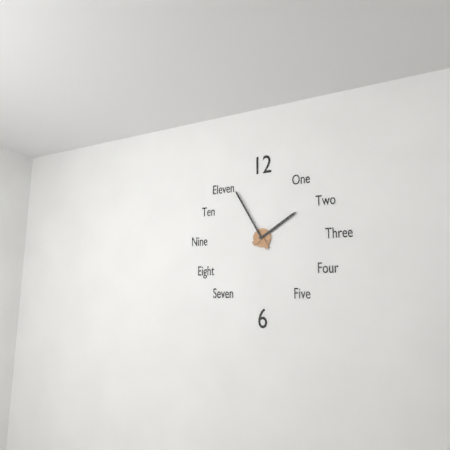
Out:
1 h 55 min
